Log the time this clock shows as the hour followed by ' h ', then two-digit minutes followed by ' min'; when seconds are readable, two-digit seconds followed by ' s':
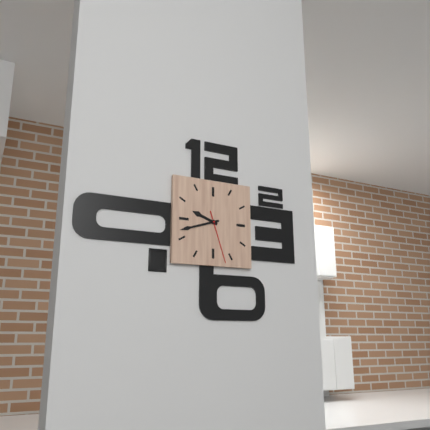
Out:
9 h 42 min 27 s
